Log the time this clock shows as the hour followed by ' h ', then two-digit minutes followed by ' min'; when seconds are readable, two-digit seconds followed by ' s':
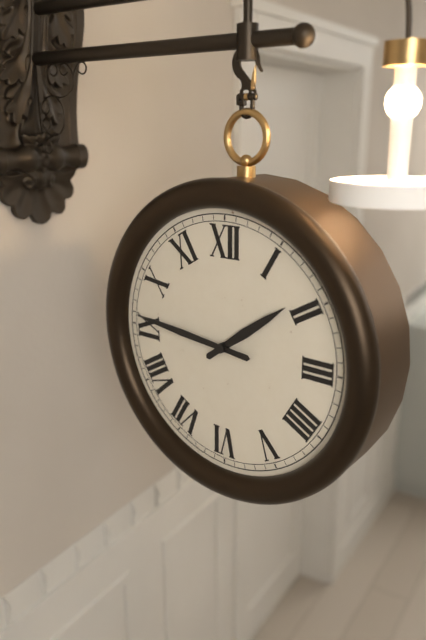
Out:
1 h 46 min
